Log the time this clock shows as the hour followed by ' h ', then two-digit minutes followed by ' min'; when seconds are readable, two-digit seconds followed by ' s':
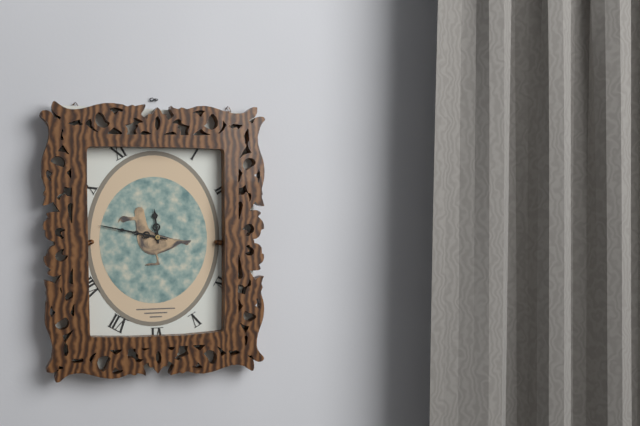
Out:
11 h 47 min
